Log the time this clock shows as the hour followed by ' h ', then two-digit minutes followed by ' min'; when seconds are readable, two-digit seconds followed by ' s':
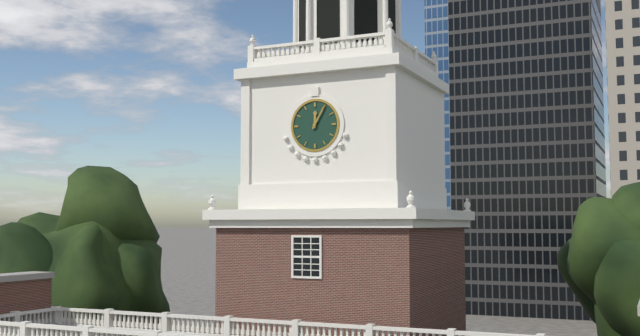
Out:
12 h 05 min
